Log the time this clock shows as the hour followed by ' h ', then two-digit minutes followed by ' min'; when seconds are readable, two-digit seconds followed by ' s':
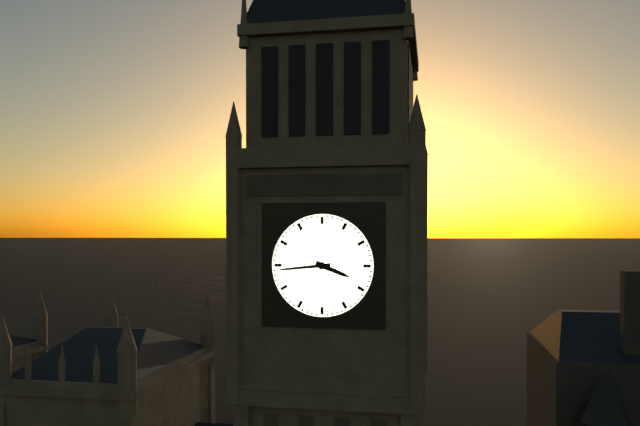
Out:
3 h 44 min
